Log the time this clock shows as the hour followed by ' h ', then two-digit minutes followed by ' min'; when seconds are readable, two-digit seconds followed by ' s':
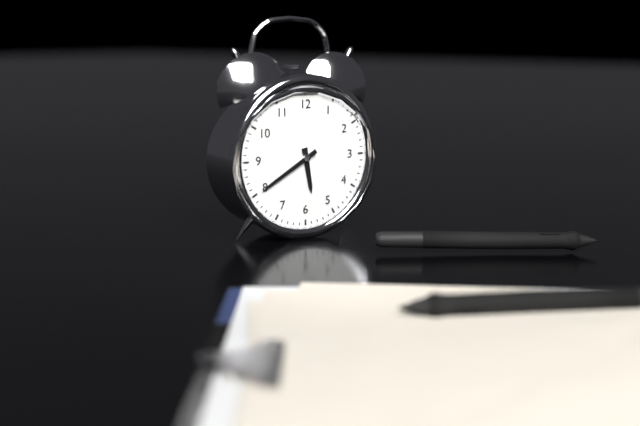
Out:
5 h 40 min
